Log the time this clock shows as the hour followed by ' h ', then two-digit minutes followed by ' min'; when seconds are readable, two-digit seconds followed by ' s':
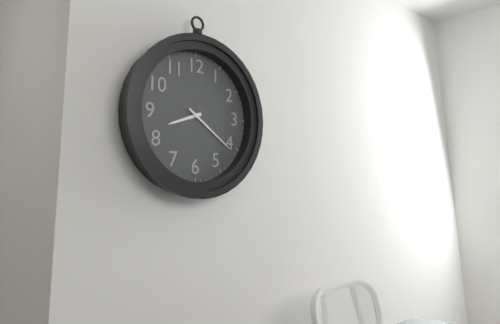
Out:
8 h 21 min
